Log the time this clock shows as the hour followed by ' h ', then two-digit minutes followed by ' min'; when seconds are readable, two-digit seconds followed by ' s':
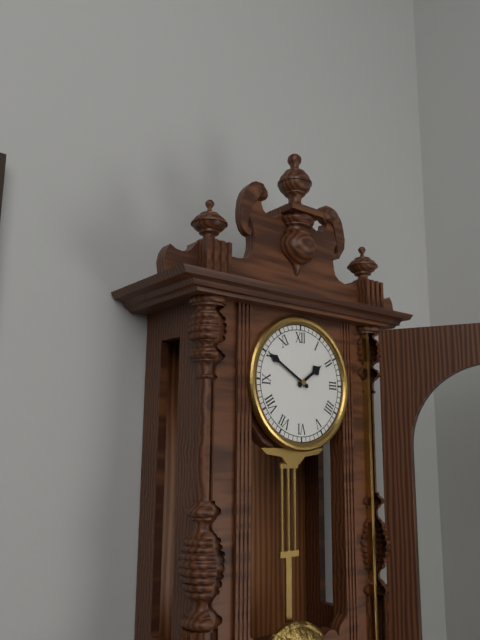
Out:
1 h 50 min
